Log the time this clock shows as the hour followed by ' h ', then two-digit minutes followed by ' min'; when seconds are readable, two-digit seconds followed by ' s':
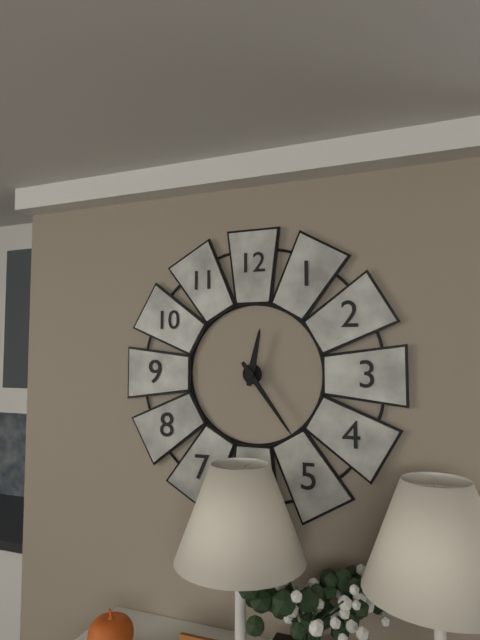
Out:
12 h 24 min
